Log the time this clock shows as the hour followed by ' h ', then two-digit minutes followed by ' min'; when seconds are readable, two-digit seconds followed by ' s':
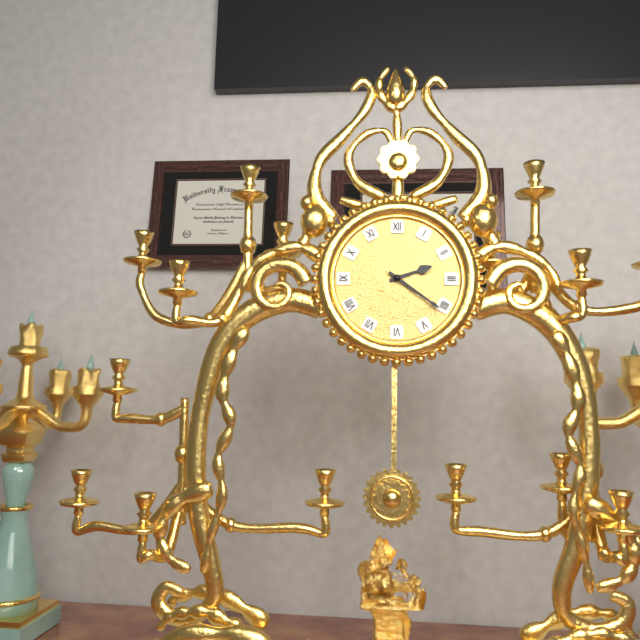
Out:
2 h 21 min
